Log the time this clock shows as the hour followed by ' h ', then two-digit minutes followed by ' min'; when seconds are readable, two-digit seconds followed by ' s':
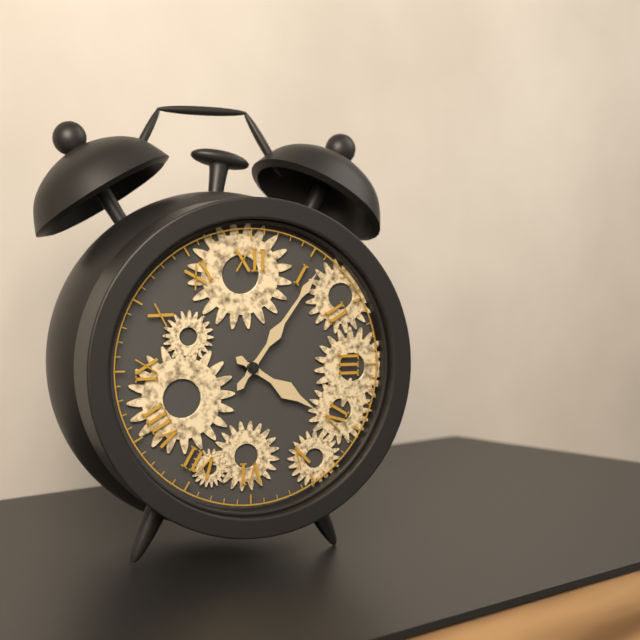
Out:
4 h 06 min
